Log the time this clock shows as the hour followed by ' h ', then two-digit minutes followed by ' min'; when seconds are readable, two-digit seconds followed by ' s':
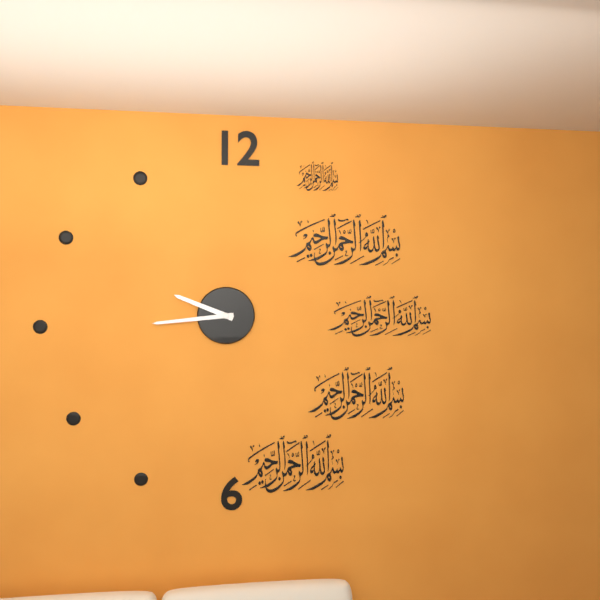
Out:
9 h 44 min
